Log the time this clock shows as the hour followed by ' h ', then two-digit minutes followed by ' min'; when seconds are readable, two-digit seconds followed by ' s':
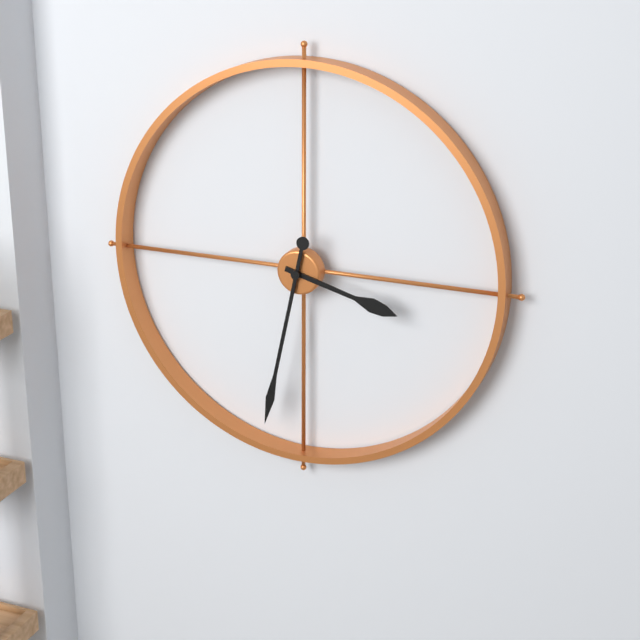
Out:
3 h 32 min
